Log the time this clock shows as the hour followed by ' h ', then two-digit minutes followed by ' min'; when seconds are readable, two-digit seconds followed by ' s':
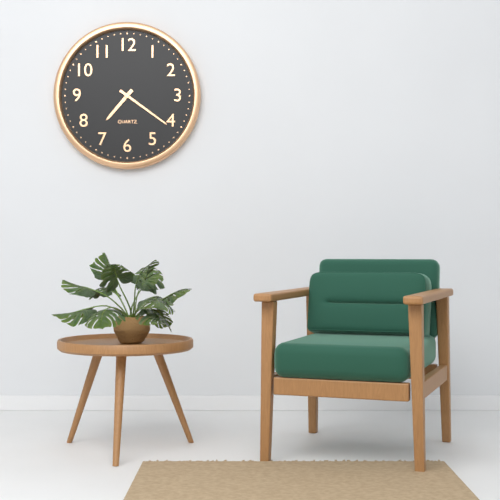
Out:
7 h 21 min
